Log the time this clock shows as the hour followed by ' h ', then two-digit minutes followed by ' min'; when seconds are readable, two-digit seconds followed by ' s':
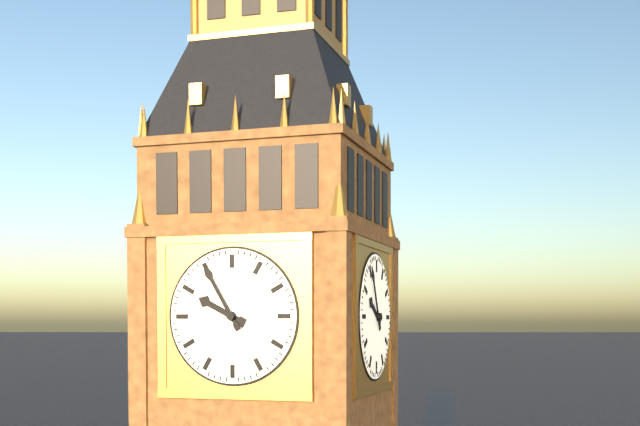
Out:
9 h 55 min
